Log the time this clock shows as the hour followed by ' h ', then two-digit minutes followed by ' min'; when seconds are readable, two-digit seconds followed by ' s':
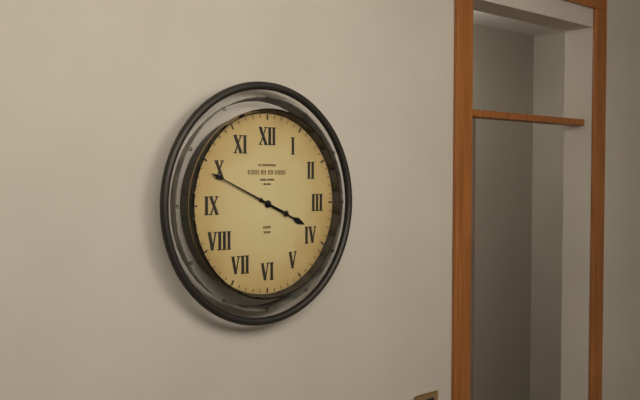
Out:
3 h 49 min
